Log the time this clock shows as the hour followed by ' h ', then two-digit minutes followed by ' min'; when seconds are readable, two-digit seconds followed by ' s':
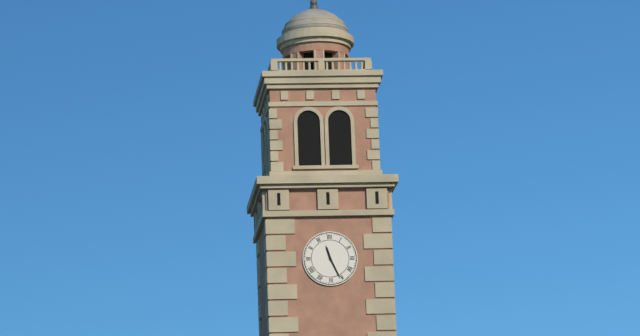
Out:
11 h 26 min
